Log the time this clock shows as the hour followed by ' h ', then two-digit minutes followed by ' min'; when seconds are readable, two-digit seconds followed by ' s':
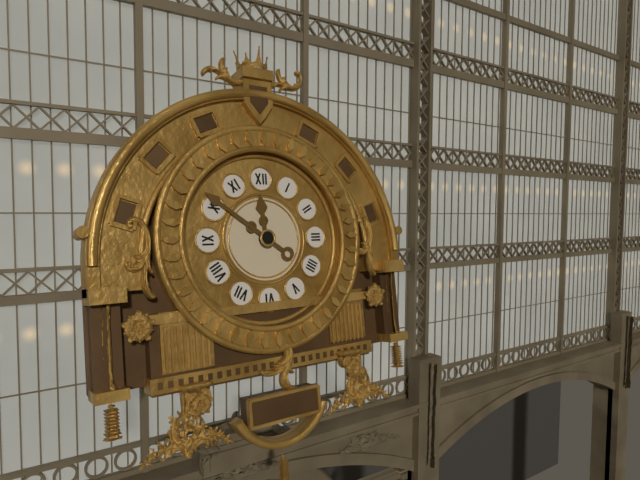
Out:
11 h 51 min
